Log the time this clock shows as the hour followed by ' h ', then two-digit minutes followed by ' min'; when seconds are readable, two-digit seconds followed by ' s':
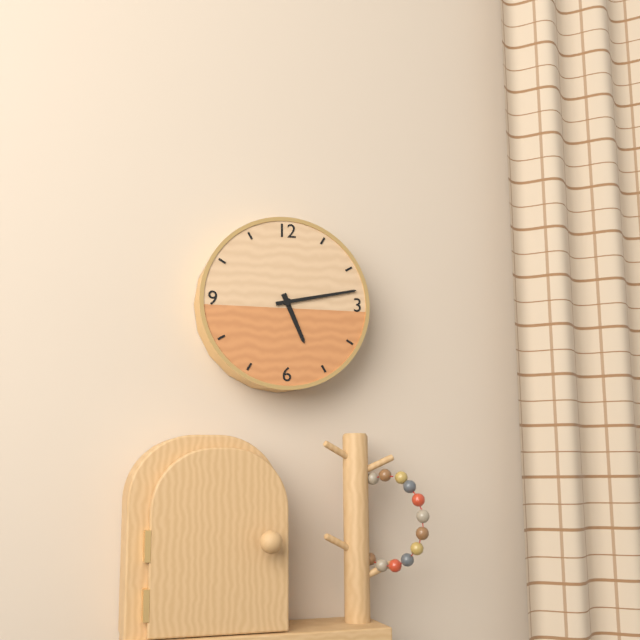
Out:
5 h 13 min
